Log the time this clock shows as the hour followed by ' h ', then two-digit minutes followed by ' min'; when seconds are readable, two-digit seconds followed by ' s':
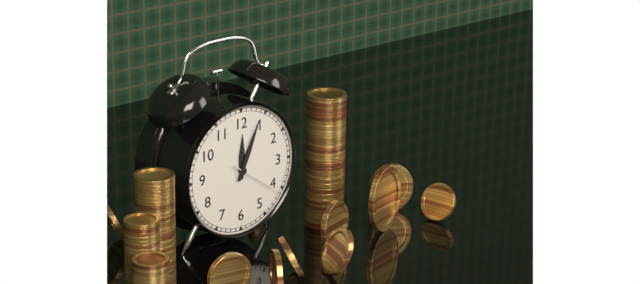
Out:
12 h 04 min 21 s
